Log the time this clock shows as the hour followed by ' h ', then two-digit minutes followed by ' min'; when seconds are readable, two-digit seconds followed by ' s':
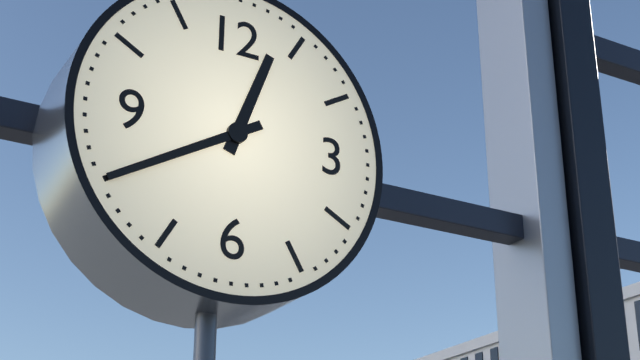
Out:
12 h 40 min
